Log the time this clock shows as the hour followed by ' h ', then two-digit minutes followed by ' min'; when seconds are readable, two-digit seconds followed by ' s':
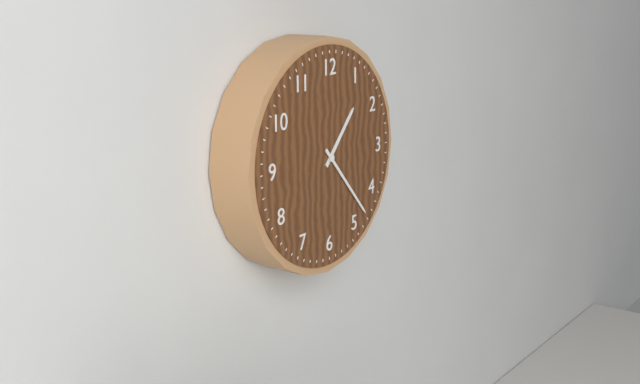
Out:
1 h 23 min
